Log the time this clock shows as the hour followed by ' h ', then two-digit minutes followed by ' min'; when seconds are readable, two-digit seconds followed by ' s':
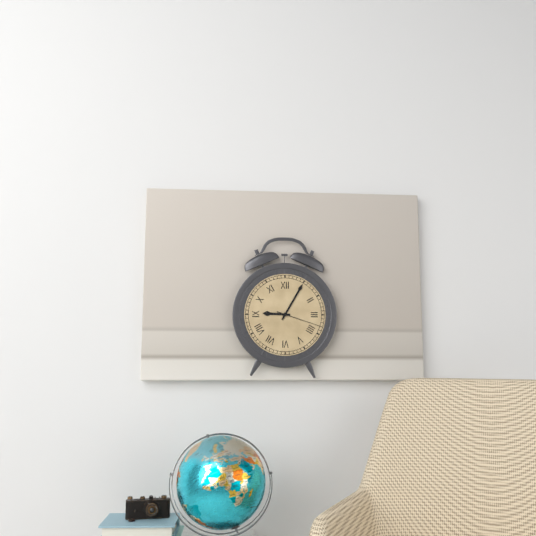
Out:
9 h 05 min
